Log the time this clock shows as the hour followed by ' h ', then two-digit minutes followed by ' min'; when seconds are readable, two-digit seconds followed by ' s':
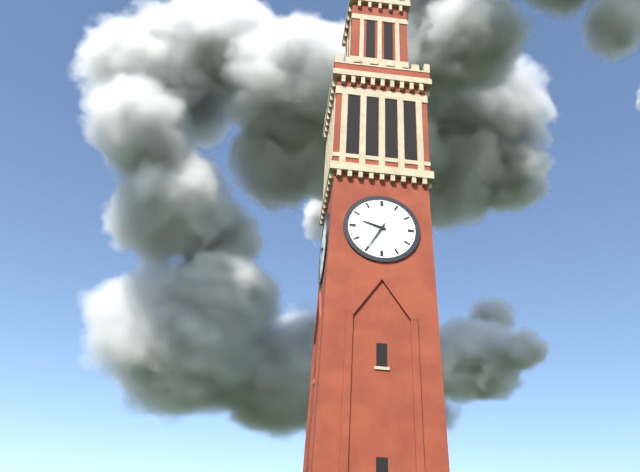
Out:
9 h 35 min
